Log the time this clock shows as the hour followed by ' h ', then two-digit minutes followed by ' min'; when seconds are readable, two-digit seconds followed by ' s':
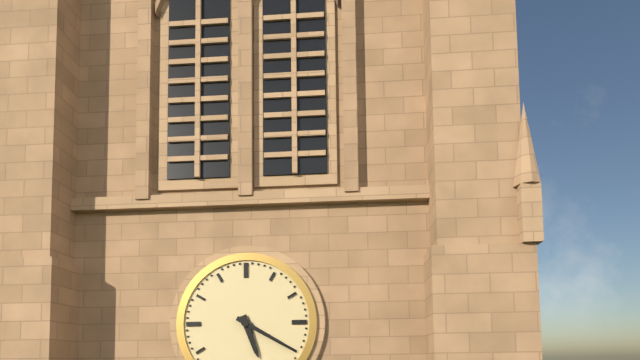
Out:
5 h 20 min
